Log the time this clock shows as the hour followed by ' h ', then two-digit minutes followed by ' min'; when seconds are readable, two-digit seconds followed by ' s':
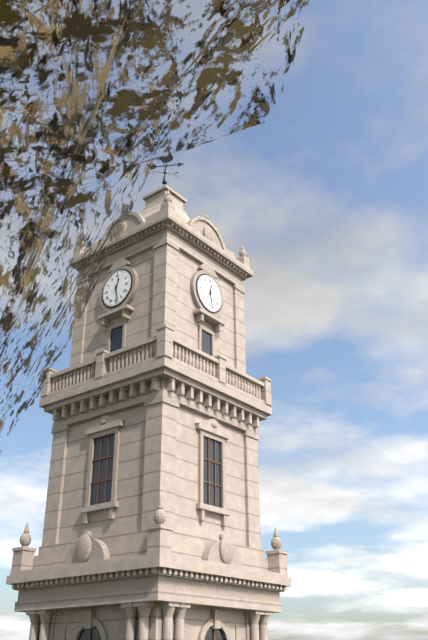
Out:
12 h 28 min
